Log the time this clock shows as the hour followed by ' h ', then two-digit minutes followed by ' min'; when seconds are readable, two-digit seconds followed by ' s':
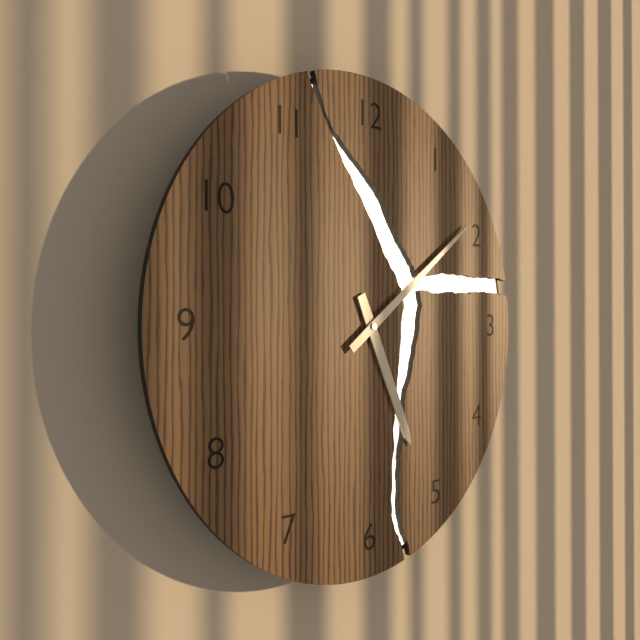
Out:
5 h 09 min
